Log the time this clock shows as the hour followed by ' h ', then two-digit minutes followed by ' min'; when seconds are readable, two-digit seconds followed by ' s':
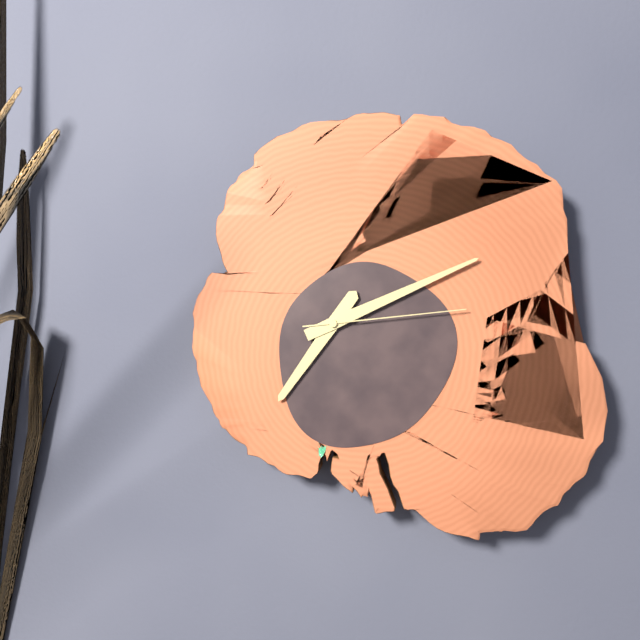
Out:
7 h 11 min 14 s
